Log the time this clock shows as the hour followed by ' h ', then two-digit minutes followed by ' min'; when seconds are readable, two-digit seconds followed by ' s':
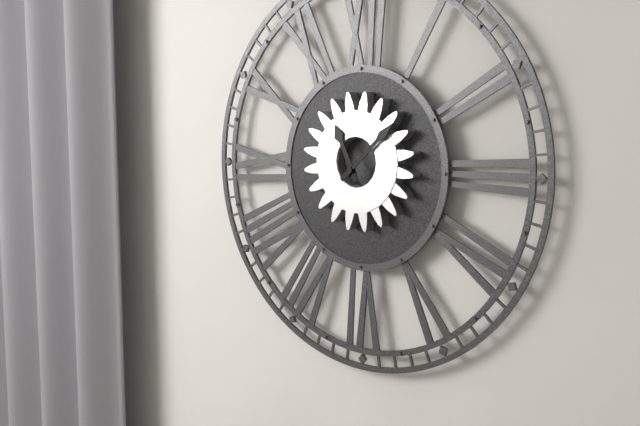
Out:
11 h 08 min
